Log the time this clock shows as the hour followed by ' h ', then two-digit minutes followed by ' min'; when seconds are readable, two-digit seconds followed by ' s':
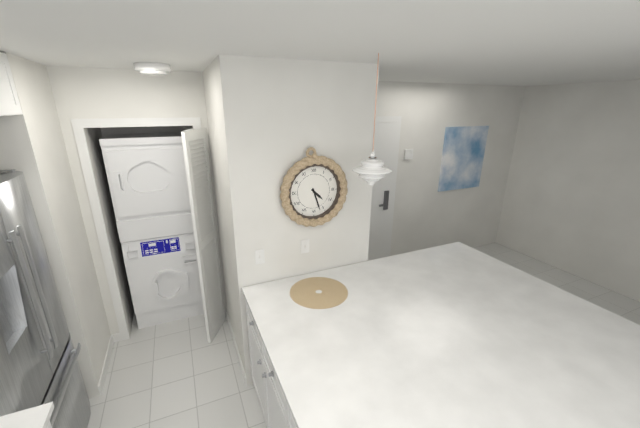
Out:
4 h 27 min
